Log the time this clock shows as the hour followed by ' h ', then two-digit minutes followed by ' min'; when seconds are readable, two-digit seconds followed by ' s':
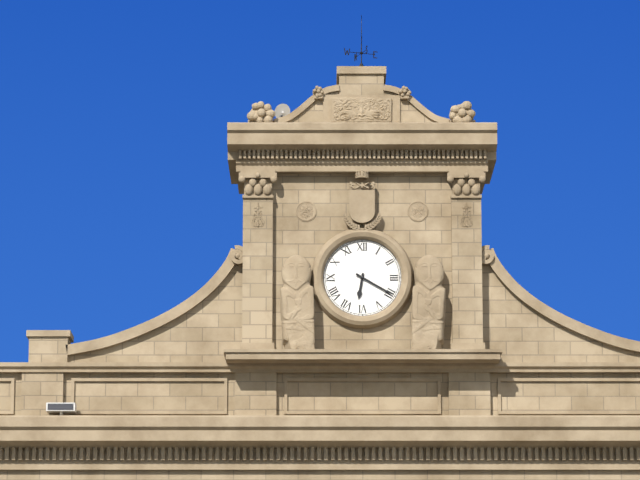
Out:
6 h 20 min
